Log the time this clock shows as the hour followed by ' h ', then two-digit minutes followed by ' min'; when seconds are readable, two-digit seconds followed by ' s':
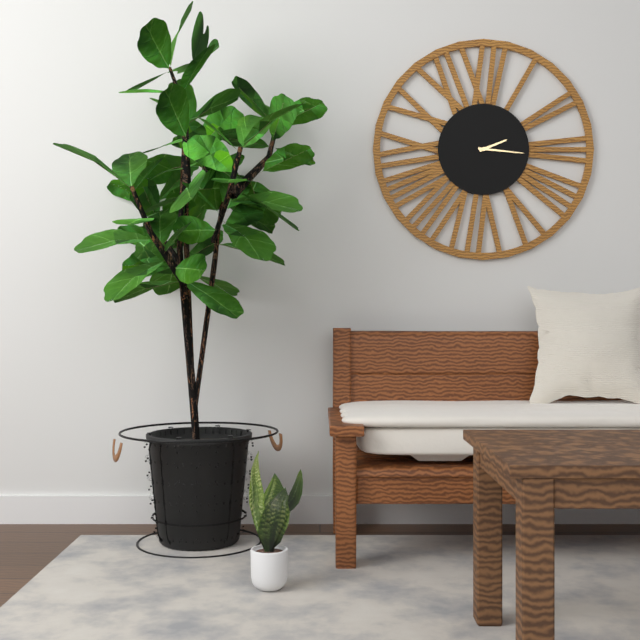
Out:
2 h 16 min
